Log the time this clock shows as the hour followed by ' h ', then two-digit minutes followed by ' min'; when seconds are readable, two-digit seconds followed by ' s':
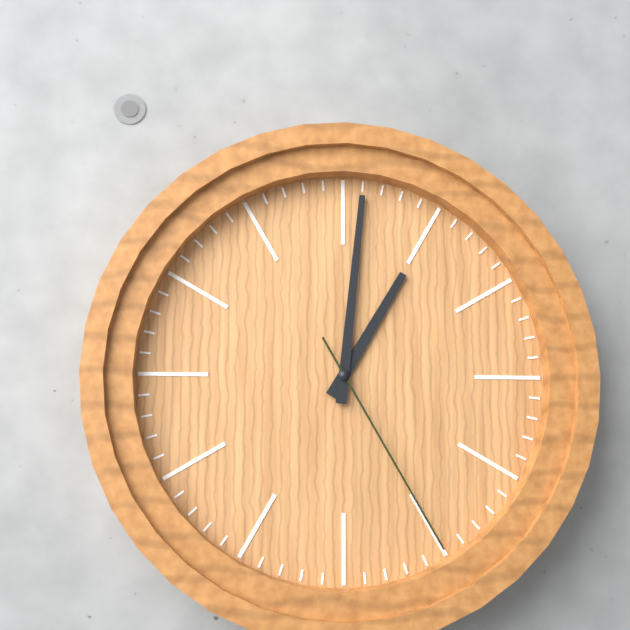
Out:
1 h 01 min 25 s
